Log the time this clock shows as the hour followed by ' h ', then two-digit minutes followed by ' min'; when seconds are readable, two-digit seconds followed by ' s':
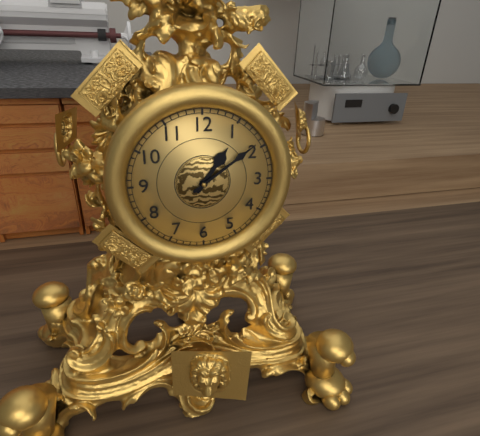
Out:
1 h 09 min
